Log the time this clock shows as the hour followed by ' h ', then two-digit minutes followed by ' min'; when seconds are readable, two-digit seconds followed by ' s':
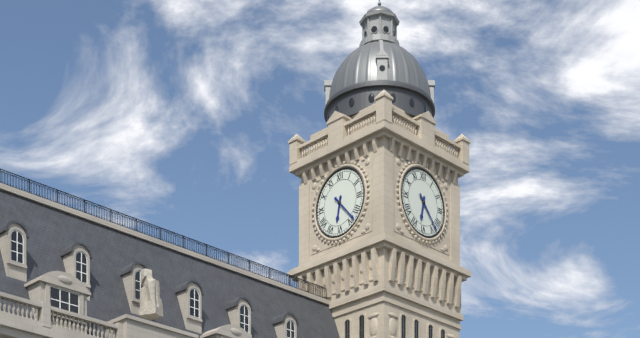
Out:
6 h 23 min
